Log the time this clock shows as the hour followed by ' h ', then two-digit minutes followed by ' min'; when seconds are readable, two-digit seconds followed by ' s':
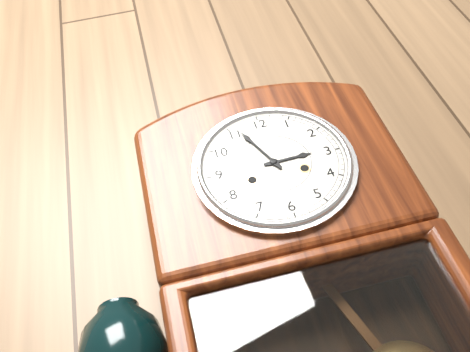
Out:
2 h 56 min
